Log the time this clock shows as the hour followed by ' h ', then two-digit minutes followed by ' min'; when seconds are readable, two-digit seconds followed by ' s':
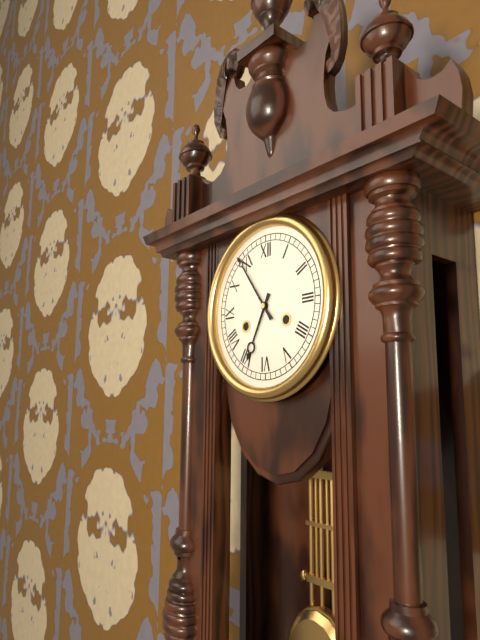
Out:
6 h 54 min
